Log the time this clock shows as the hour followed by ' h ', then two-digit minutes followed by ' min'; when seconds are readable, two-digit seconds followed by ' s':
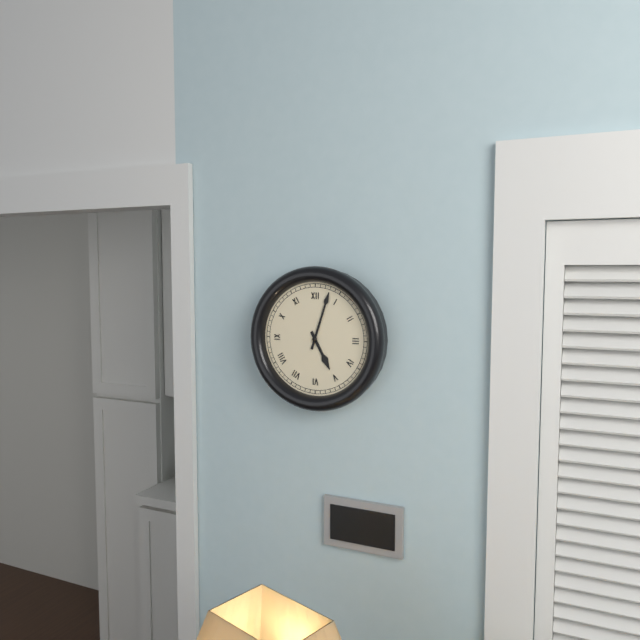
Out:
5 h 03 min
